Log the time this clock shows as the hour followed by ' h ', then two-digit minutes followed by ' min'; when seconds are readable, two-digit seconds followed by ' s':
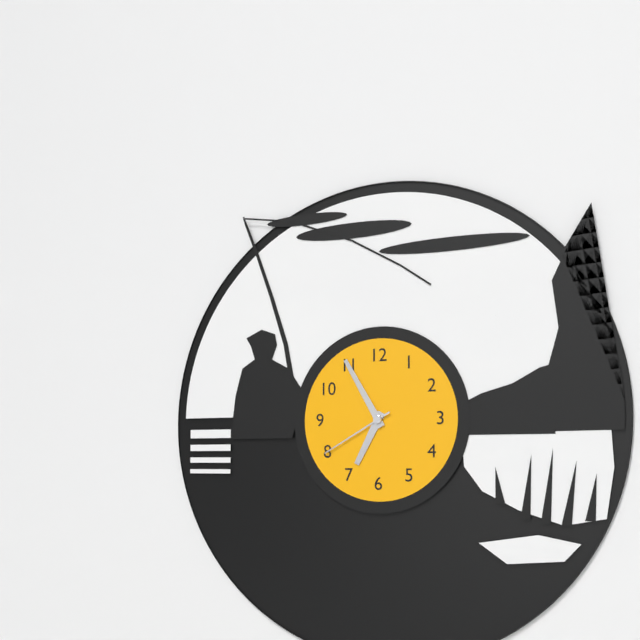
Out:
6 h 55 min 40 s
